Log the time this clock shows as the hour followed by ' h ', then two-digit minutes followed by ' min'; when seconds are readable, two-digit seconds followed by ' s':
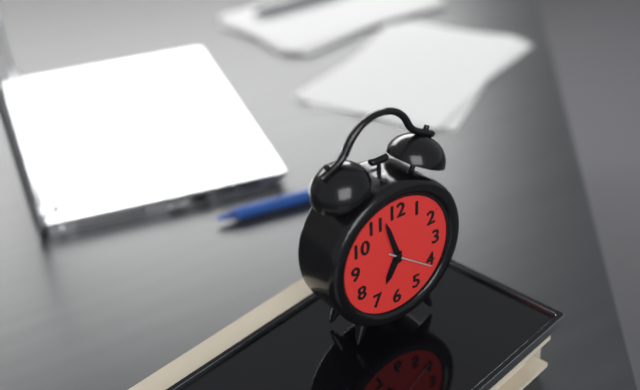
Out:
6 h 57 min
